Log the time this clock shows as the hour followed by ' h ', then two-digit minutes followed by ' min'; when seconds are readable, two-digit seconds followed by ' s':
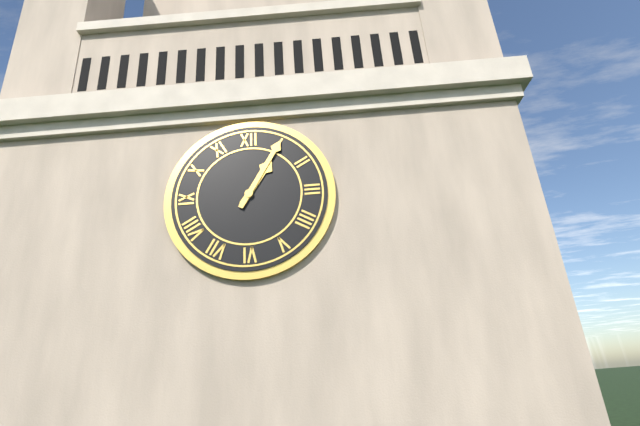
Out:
1 h 05 min
